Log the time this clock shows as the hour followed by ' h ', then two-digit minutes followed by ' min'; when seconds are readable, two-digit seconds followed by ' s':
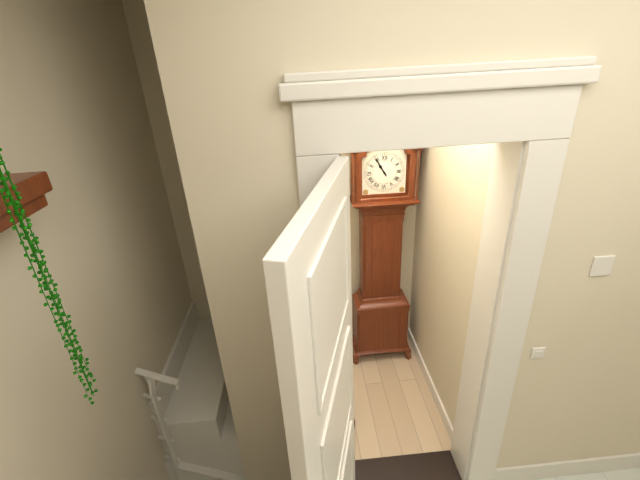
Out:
10 h 55 min
